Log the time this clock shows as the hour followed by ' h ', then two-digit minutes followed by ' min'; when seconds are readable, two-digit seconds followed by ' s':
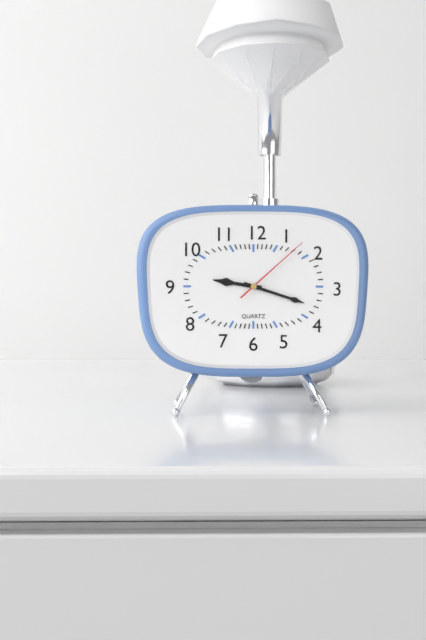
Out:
9 h 18 min 08 s
